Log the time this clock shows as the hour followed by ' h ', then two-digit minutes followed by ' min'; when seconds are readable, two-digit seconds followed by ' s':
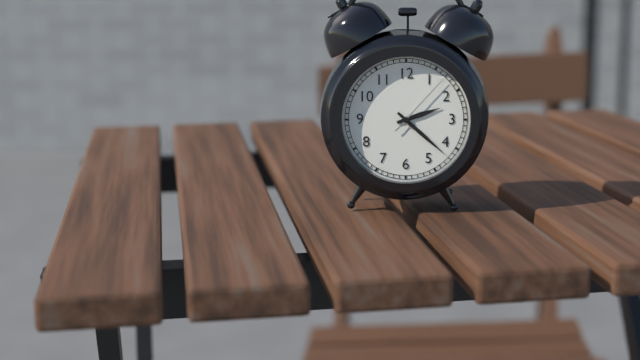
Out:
2 h 22 min 07 s
